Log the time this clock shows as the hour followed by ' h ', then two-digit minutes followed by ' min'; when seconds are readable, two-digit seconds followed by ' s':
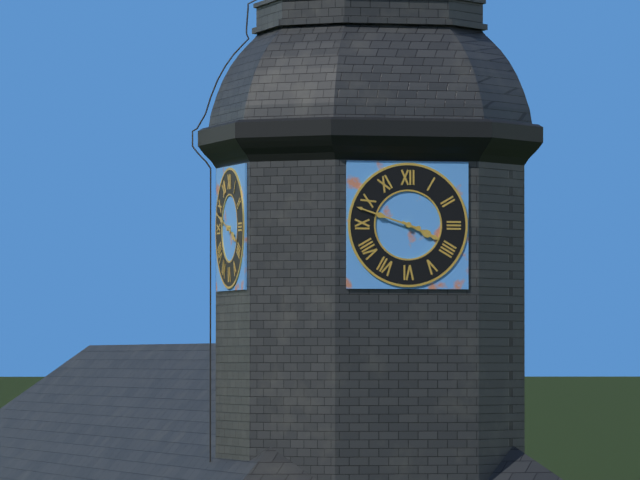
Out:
3 h 48 min
